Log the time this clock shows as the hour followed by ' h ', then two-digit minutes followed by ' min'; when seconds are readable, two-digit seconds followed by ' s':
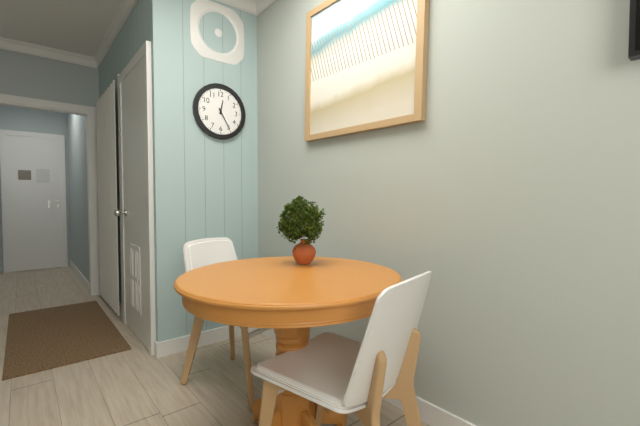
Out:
12 h 25 min
